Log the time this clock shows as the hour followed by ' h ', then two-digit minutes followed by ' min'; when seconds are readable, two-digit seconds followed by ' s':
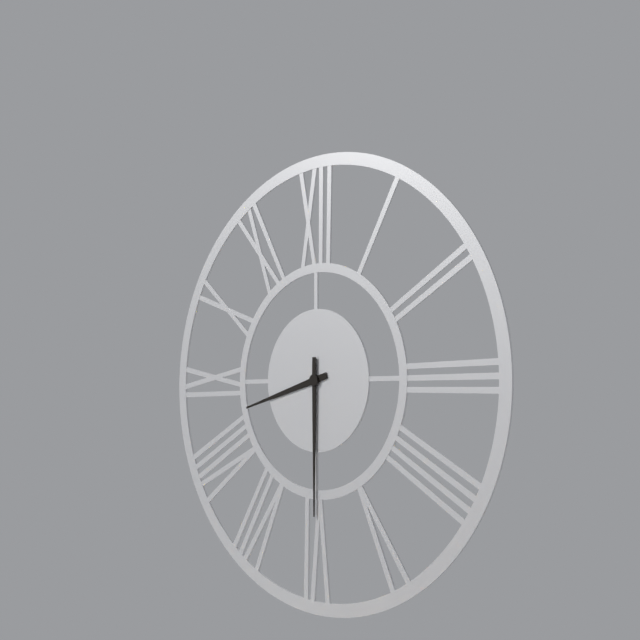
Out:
8 h 30 min
